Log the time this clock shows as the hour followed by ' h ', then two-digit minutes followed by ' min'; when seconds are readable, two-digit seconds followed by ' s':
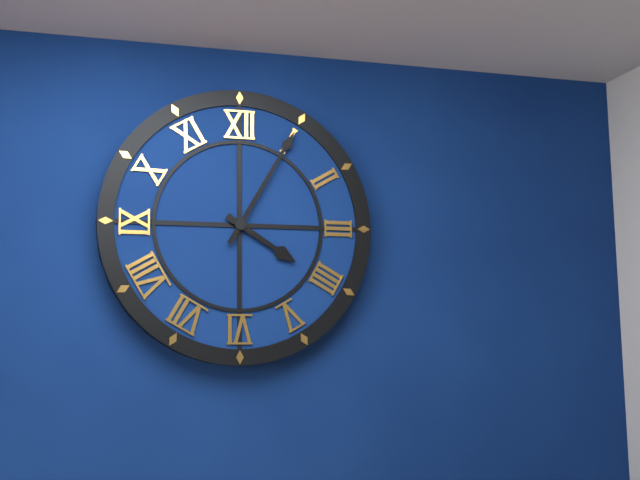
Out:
4 h 05 min
